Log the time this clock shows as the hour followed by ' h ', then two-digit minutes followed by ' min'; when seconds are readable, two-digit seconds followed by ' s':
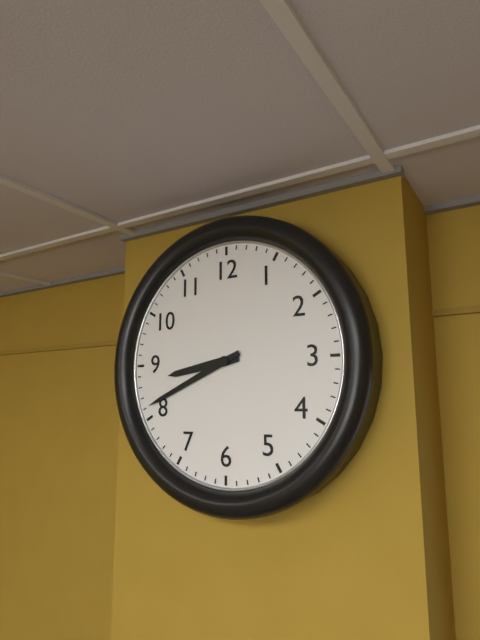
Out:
8 h 41 min
